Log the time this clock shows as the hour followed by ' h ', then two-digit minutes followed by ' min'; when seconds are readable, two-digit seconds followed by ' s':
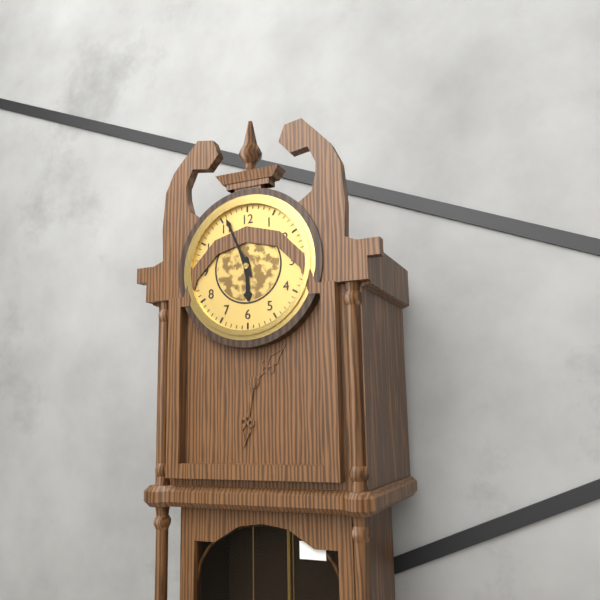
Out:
5 h 56 min
